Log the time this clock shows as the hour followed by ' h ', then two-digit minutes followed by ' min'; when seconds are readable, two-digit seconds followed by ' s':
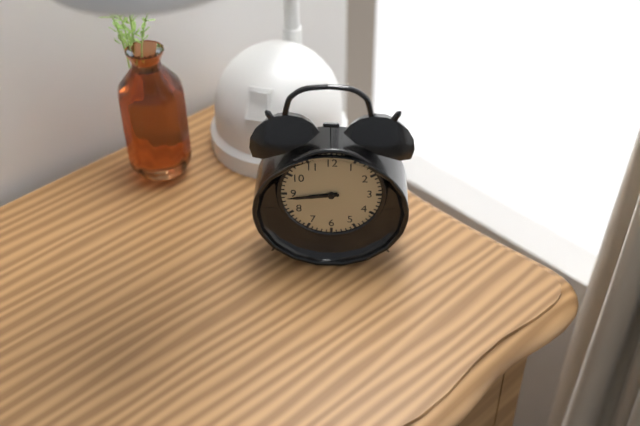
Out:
8 h 44 min
